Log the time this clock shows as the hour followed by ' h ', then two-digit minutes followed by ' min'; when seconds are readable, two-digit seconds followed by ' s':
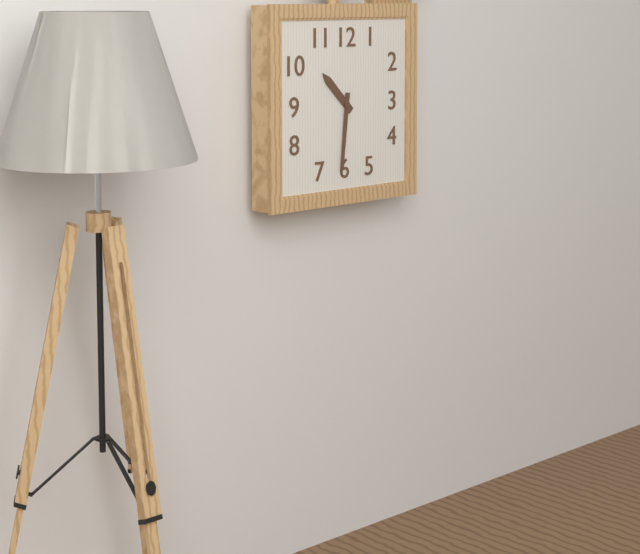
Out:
10 h 31 min
